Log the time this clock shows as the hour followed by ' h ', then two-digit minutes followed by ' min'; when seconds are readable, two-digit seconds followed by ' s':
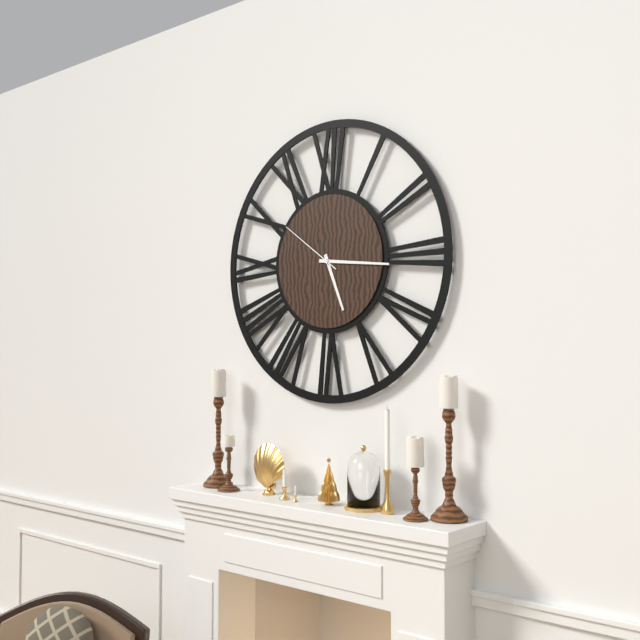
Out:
5 h 16 min 51 s
